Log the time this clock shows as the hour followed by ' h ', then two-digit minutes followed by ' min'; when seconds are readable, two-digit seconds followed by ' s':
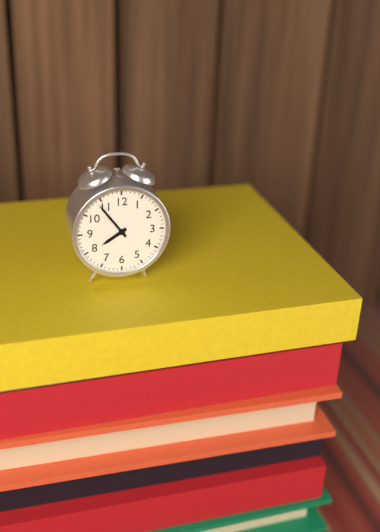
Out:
7 h 54 min
